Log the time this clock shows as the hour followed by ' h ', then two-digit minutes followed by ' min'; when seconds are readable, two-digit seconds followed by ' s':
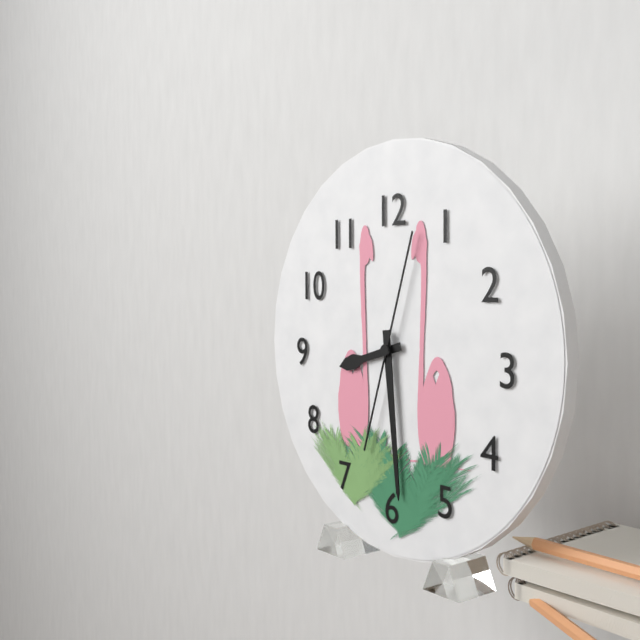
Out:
8 h 29 min 03 s
